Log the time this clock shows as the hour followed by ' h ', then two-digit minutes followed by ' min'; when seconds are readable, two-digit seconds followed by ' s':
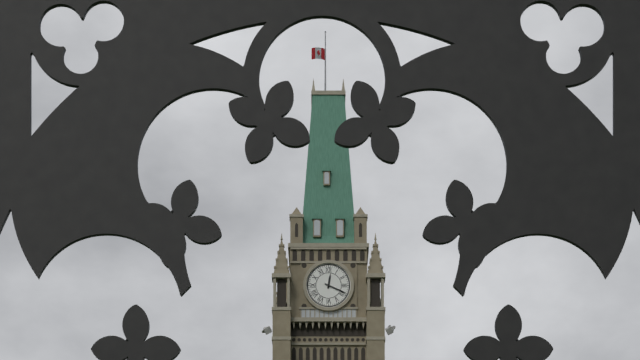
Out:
12 h 19 min
